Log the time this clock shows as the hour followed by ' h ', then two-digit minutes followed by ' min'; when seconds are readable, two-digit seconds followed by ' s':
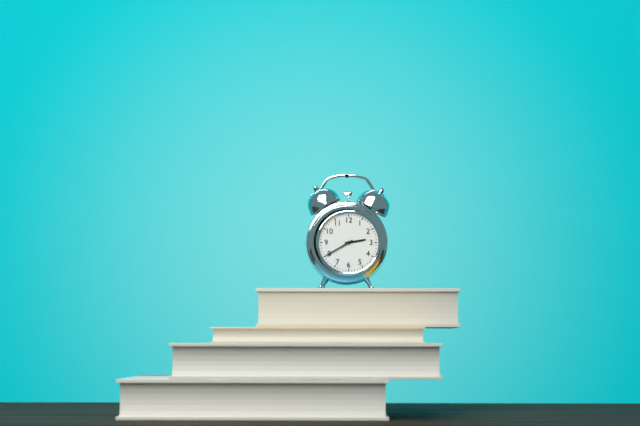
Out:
2 h 40 min
